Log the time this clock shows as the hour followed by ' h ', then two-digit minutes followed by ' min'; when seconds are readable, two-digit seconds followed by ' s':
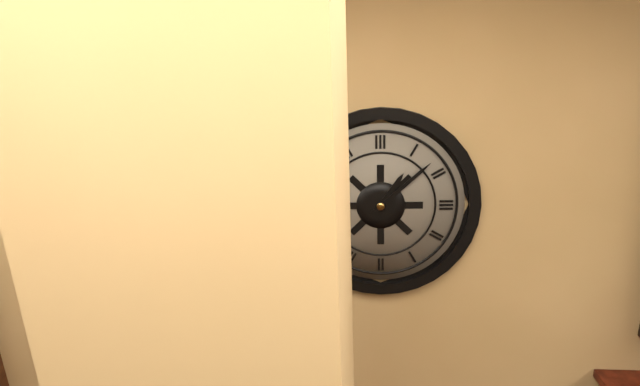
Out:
1 h 08 min
